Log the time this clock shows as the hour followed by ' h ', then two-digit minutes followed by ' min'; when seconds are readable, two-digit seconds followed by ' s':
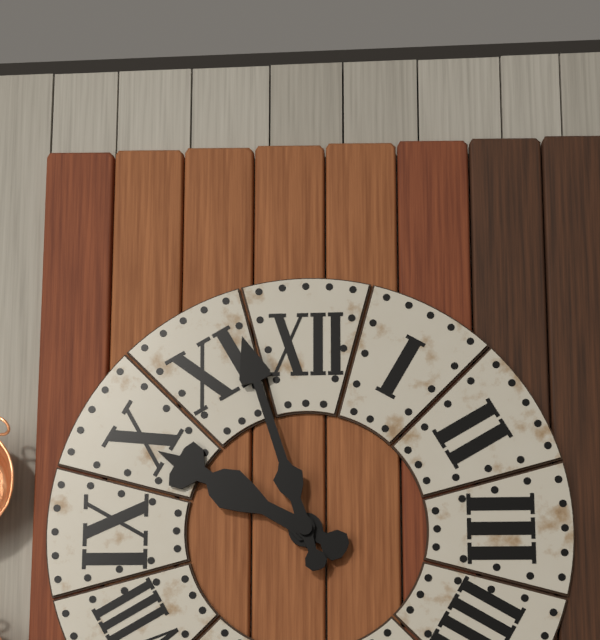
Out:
9 h 57 min
